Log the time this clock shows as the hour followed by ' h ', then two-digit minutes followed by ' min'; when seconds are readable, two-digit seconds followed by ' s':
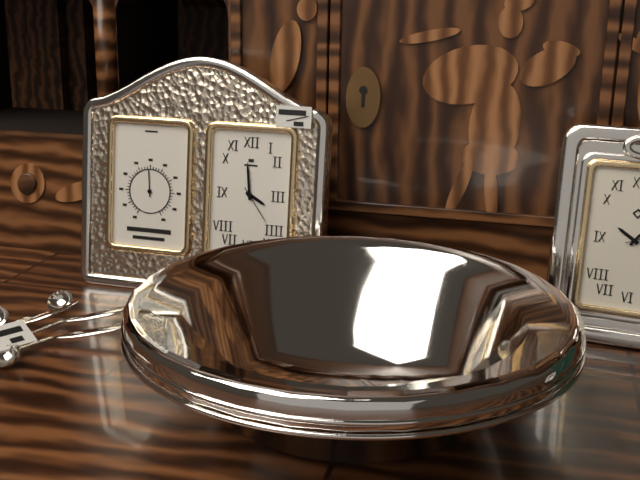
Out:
3 h 59 min
